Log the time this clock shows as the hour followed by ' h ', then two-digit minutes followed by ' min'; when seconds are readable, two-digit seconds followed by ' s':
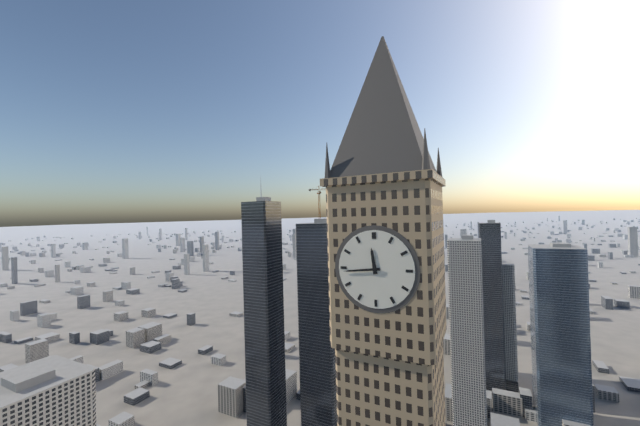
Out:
11 h 44 min
